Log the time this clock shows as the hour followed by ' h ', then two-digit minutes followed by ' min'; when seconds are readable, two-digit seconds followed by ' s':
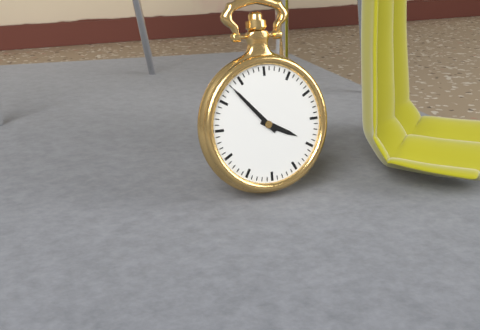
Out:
3 h 53 min
